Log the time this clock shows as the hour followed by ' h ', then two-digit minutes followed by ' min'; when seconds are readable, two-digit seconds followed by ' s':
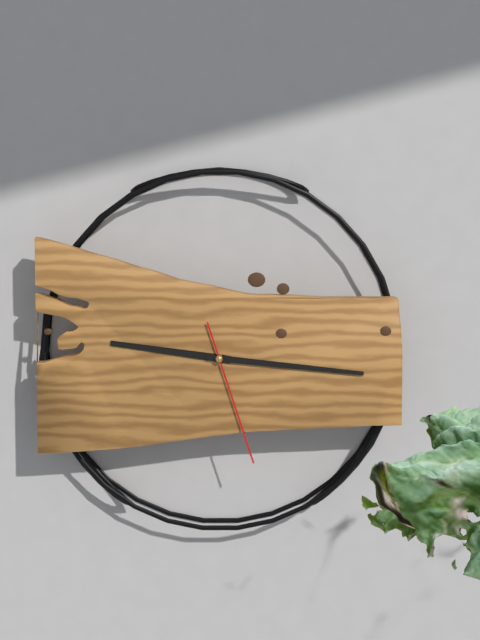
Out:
9 h 16 min 27 s
